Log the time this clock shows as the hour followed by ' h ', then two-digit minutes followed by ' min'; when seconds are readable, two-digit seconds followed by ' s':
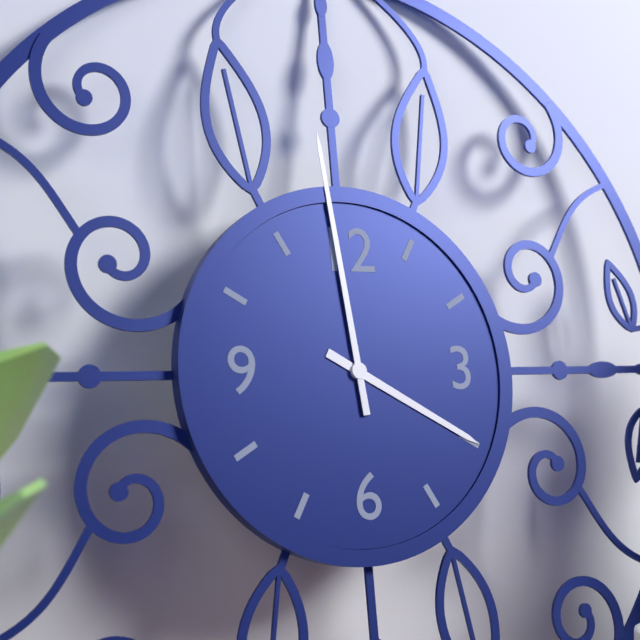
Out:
3 h 59 min
